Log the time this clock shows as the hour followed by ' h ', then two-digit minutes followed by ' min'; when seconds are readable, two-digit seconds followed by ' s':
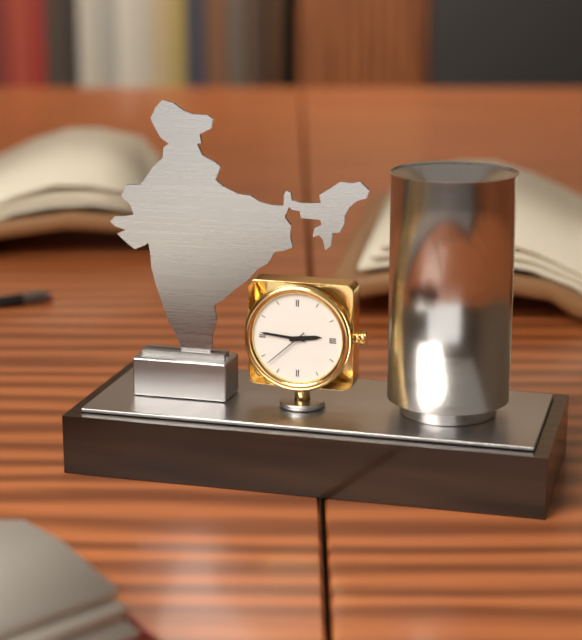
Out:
2 h 46 min
